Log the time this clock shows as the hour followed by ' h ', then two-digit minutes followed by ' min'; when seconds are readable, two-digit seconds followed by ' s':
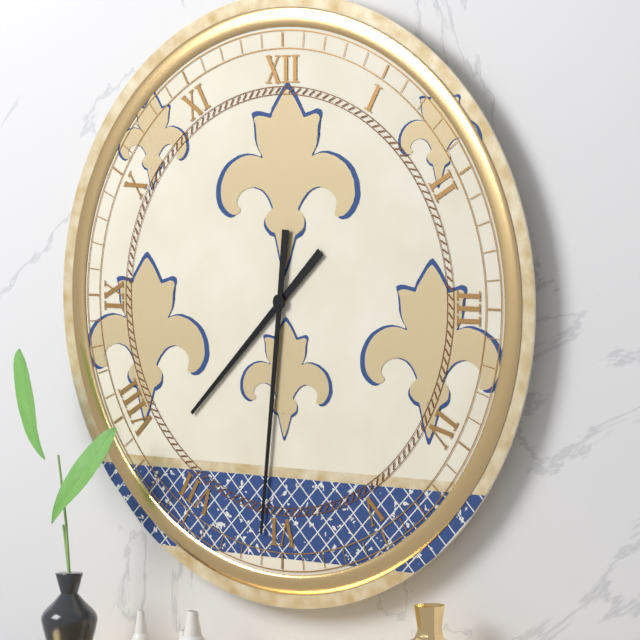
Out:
7 h 31 min
